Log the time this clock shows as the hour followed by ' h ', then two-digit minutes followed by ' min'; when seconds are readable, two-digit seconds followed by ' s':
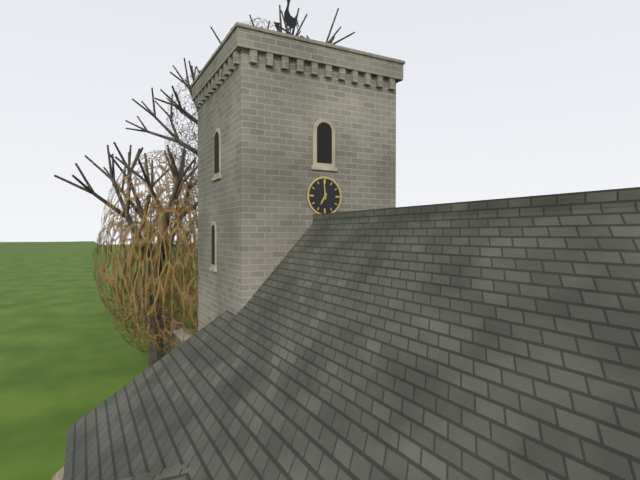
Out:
6 h 59 min
